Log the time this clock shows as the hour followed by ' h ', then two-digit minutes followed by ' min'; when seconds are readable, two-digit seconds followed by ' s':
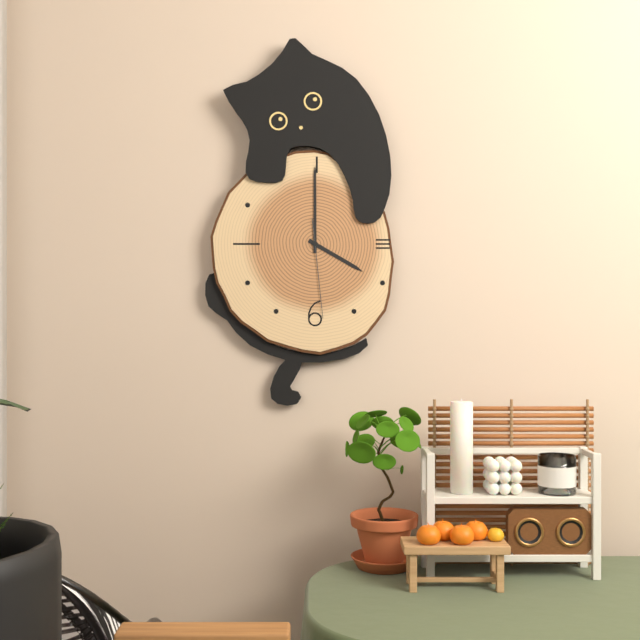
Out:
4 h 00 min 29 s
